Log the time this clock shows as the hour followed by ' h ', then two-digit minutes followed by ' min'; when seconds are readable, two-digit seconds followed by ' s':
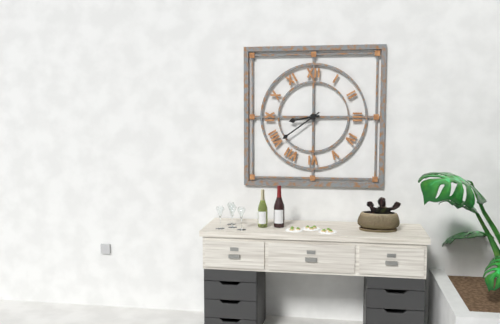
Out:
8 h 39 min
